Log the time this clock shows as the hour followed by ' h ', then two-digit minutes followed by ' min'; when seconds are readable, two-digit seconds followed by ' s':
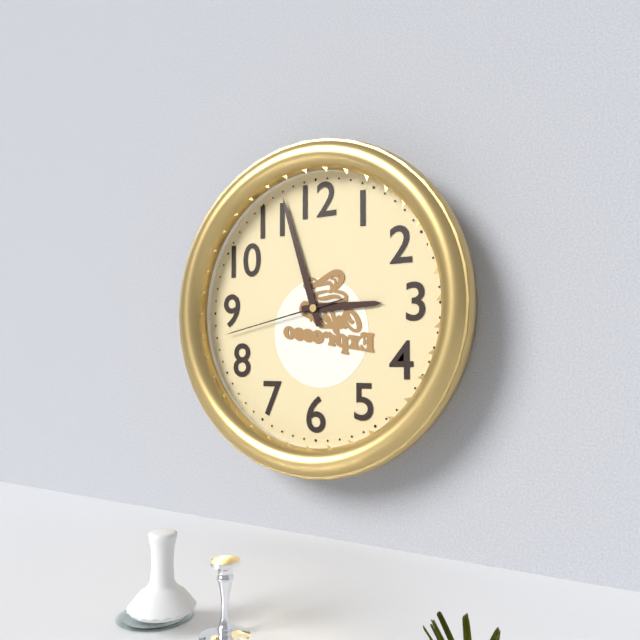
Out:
2 h 57 min 43 s
